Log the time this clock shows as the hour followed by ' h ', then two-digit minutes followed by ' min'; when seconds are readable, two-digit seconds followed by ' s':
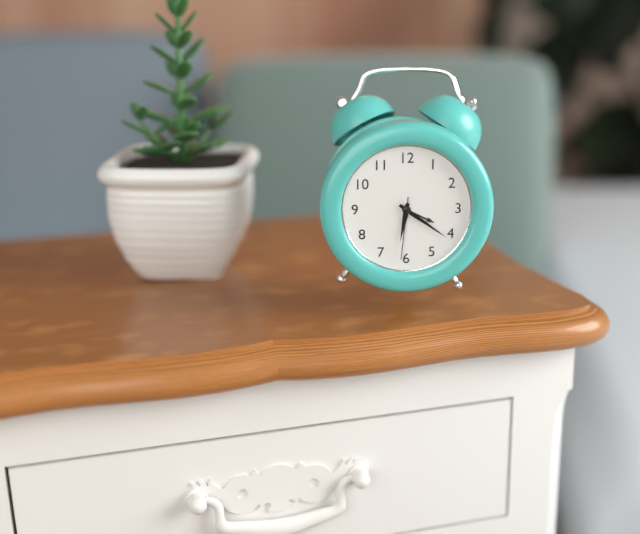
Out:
6 h 21 min 31 s
